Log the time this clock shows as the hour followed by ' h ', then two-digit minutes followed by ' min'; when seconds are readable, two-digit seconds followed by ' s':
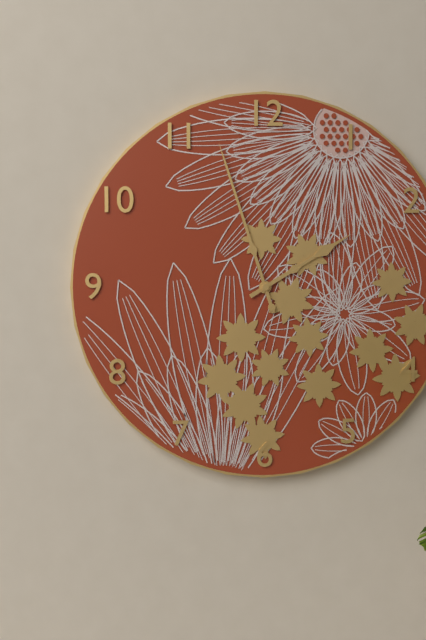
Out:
1 h 57 min
